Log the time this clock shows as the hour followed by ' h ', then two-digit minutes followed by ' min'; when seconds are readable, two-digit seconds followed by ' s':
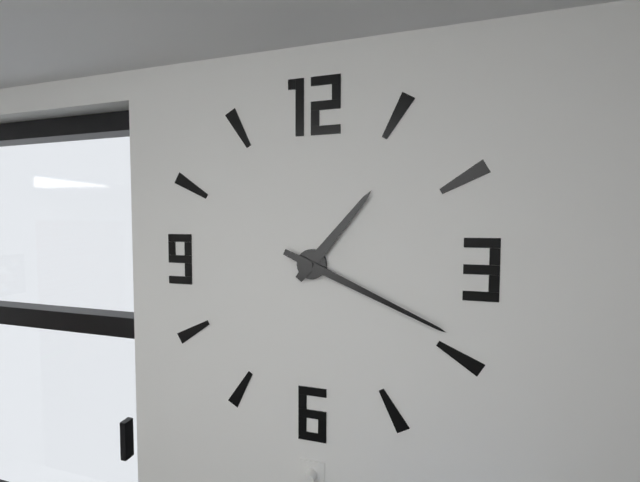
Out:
1 h 19 min
